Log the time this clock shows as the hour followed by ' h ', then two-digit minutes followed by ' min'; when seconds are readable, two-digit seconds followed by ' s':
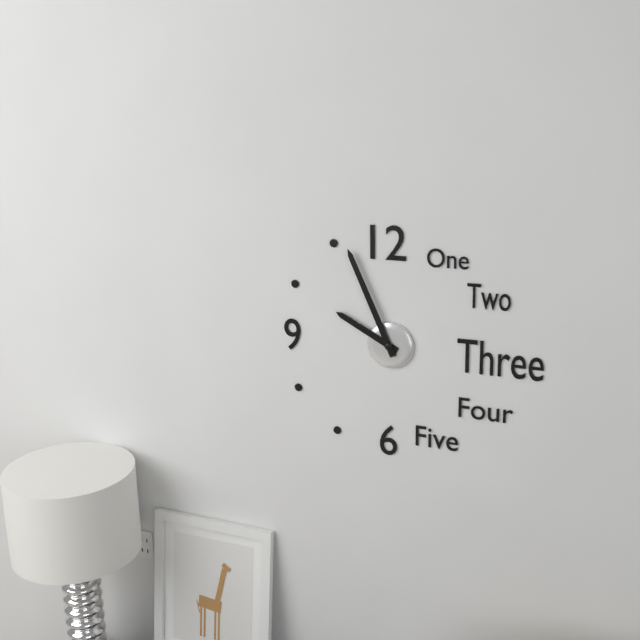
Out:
9 h 56 min
